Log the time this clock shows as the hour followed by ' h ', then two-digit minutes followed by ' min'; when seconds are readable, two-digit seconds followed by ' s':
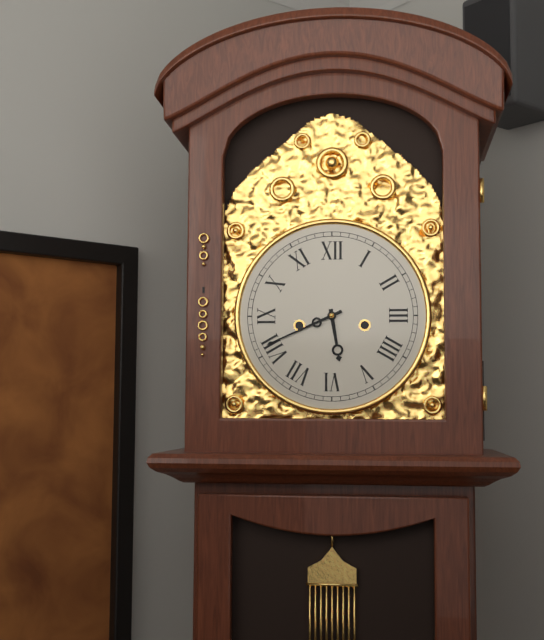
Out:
5 h 41 min
